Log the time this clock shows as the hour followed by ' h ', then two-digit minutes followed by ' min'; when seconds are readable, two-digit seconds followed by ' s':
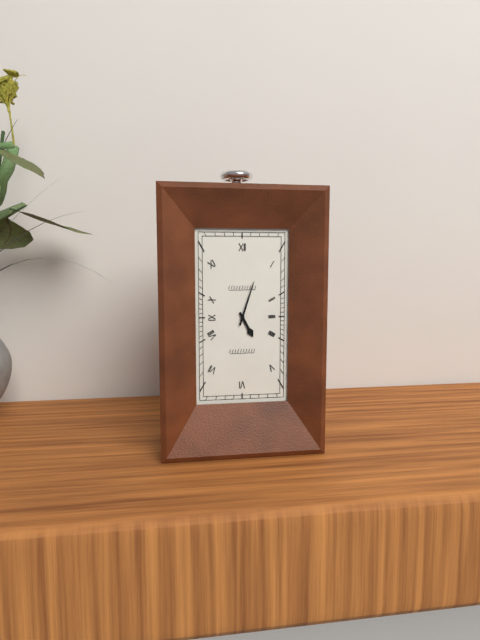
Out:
5 h 03 min
